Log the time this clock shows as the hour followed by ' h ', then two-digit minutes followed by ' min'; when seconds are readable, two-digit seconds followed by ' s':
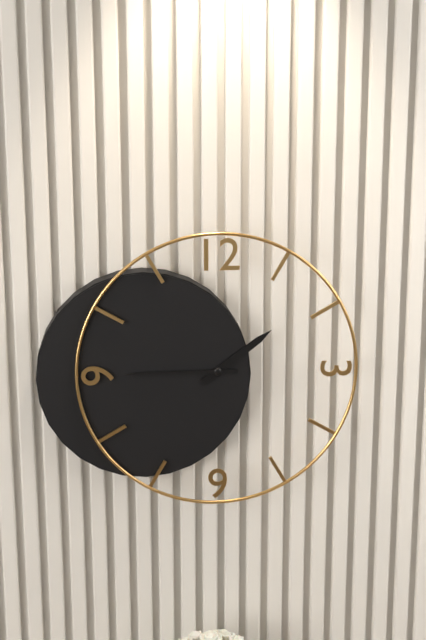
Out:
1 h 45 min
